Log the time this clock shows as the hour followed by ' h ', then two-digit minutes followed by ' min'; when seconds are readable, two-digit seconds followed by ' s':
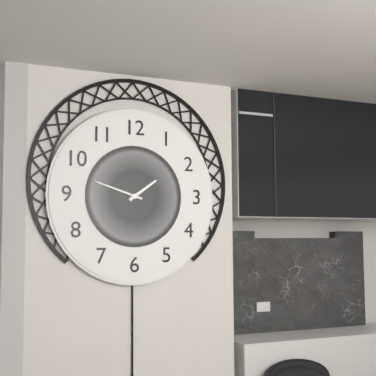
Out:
1 h 48 min
